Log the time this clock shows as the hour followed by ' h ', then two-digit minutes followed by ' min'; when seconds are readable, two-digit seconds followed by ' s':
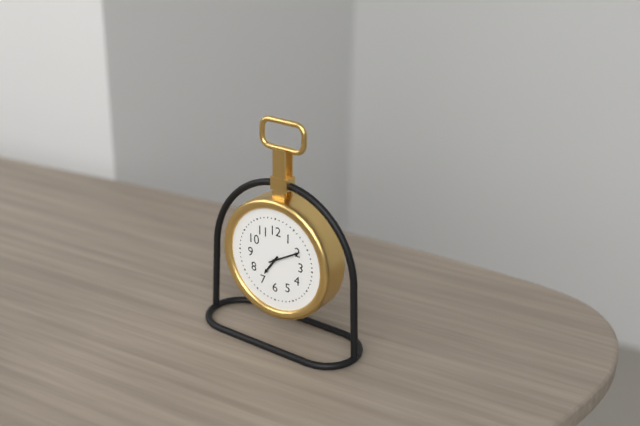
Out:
7 h 10 min
